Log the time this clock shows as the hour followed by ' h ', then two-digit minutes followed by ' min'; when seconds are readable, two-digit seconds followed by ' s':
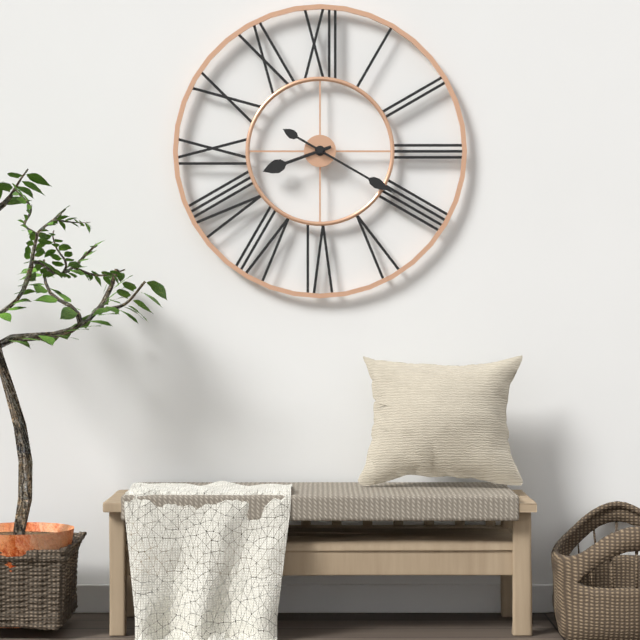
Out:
8 h 20 min
